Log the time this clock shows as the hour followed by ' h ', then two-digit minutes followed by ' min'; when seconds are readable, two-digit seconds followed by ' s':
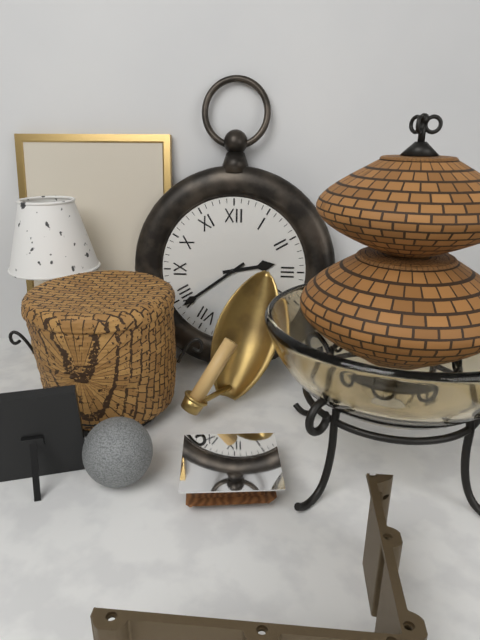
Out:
2 h 39 min
